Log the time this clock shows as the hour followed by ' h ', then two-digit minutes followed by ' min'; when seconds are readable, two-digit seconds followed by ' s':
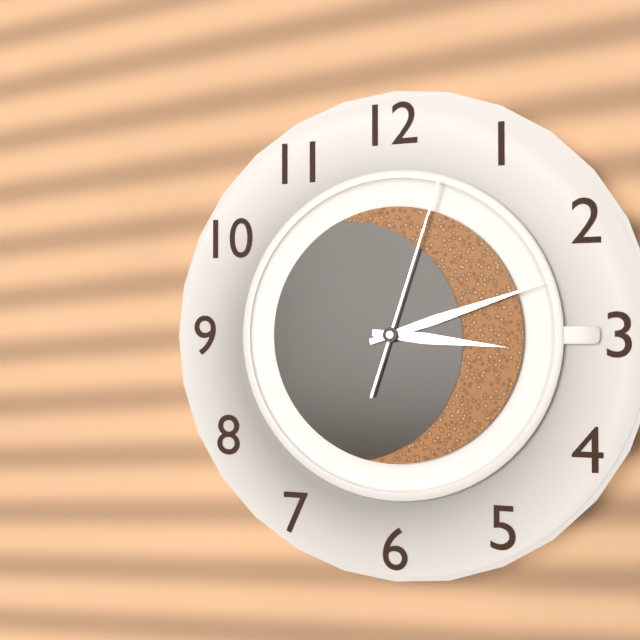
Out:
3 h 12 min 03 s
